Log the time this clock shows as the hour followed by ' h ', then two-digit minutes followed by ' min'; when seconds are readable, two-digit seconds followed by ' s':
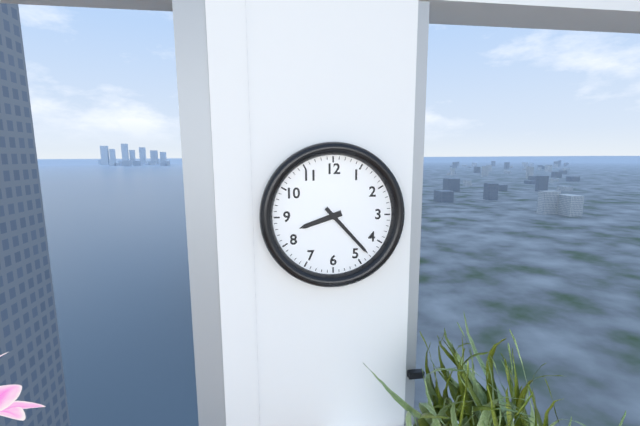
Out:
8 h 23 min
